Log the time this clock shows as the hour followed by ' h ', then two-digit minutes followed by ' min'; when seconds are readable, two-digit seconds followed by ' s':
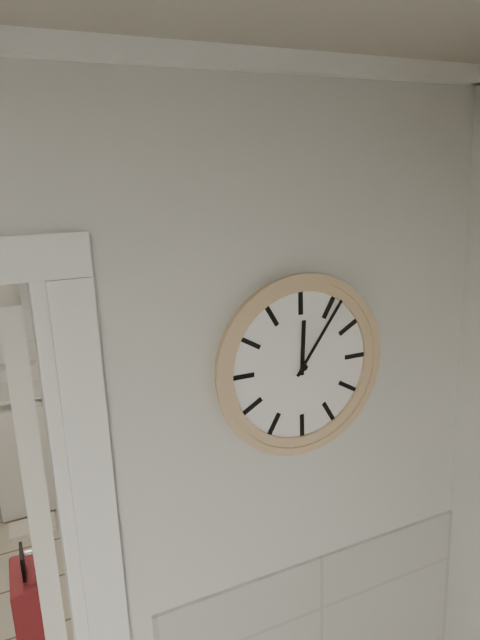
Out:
12 h 06 min
